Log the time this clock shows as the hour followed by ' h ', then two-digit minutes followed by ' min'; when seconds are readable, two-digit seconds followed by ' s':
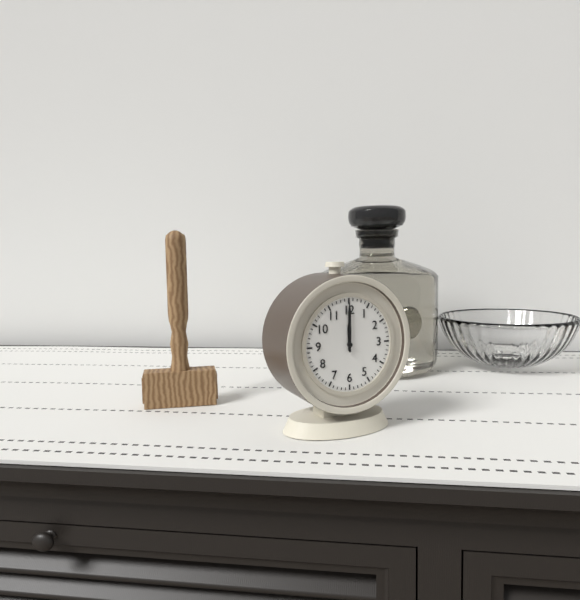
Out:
12 h 00 min
